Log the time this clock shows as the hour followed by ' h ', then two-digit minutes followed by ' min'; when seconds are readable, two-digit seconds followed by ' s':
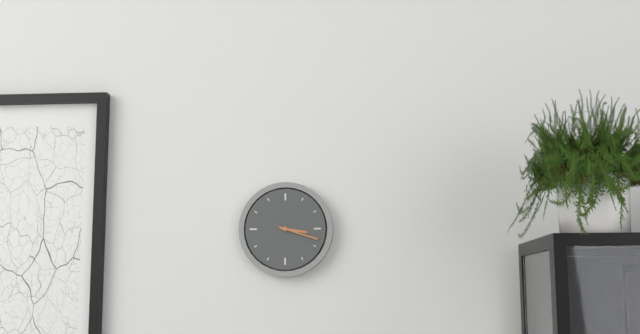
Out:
3 h 18 min
